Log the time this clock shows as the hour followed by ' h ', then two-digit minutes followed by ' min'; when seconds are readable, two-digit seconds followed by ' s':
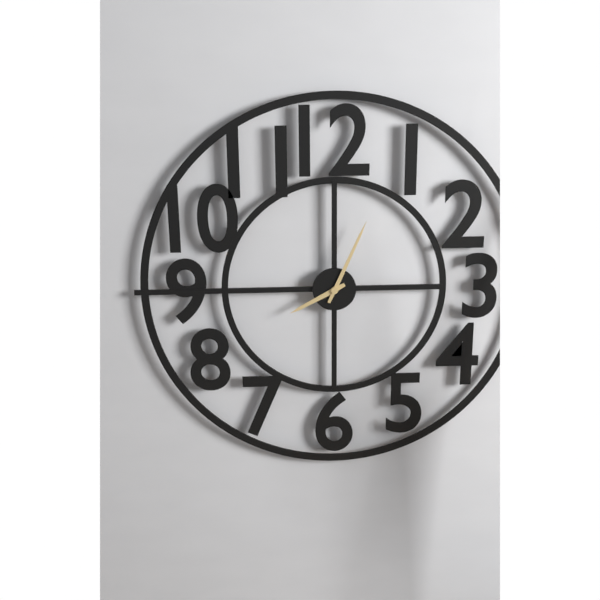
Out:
8 h 04 min
